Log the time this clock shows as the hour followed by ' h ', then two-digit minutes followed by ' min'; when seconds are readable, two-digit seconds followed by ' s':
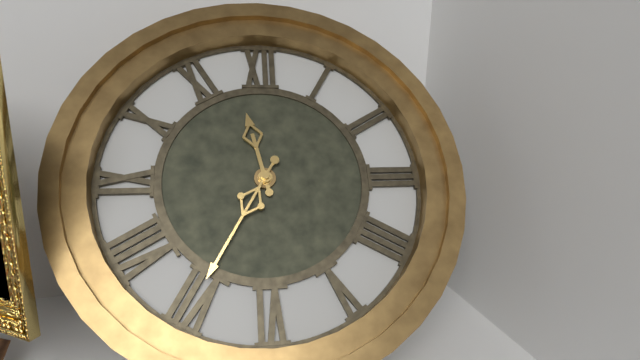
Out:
11 h 35 min
